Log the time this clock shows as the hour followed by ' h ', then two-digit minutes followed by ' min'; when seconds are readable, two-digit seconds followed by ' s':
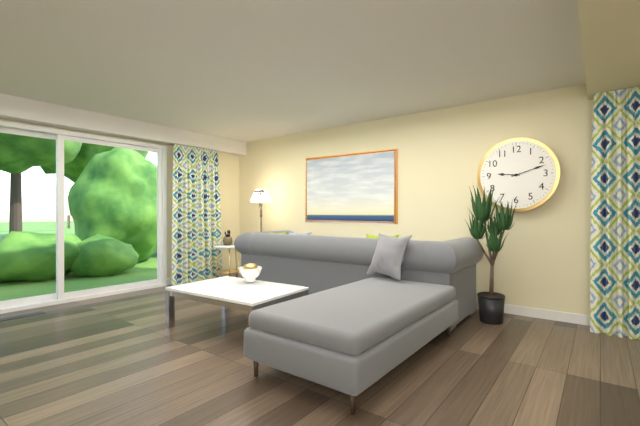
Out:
9 h 12 min
